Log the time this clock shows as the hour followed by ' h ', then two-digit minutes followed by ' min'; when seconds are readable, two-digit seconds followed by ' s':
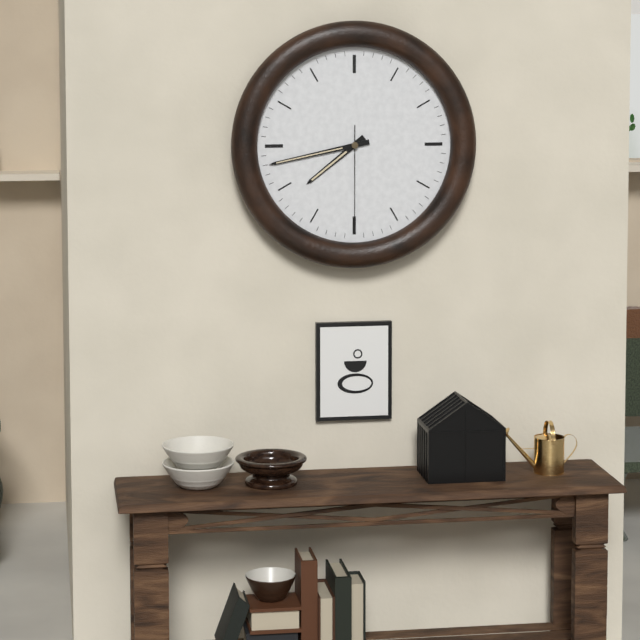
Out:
7 h 43 min 30 s
